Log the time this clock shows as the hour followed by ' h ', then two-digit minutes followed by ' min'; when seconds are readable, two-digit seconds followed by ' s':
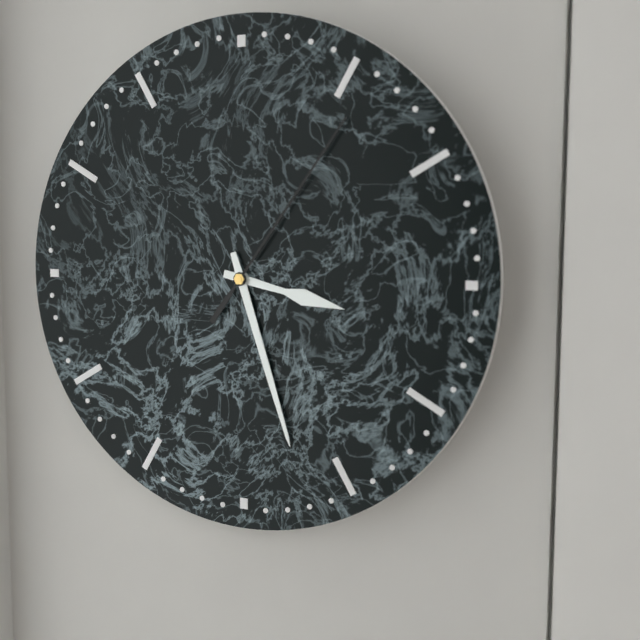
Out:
3 h 27 min 06 s
